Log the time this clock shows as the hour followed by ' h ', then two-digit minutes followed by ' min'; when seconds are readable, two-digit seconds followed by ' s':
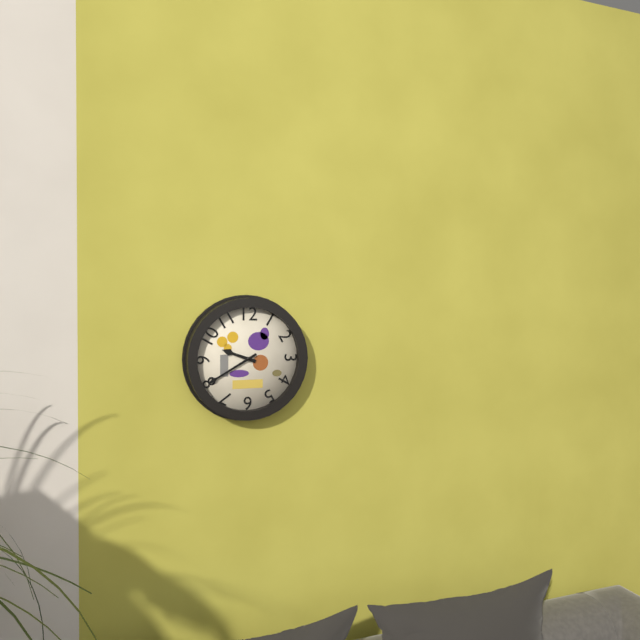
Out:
9 h 40 min
